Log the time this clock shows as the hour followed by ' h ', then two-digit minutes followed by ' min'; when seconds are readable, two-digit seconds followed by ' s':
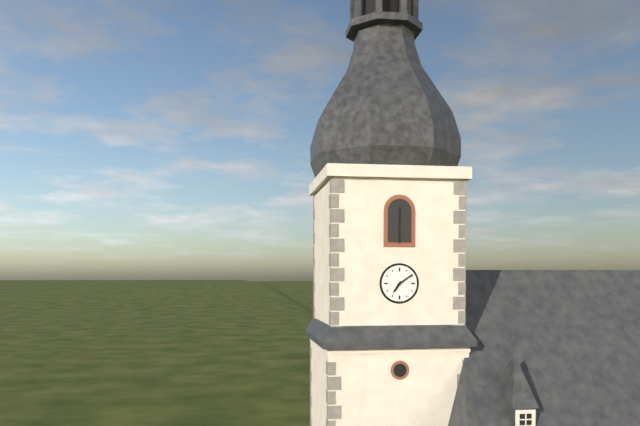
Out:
7 h 09 min
